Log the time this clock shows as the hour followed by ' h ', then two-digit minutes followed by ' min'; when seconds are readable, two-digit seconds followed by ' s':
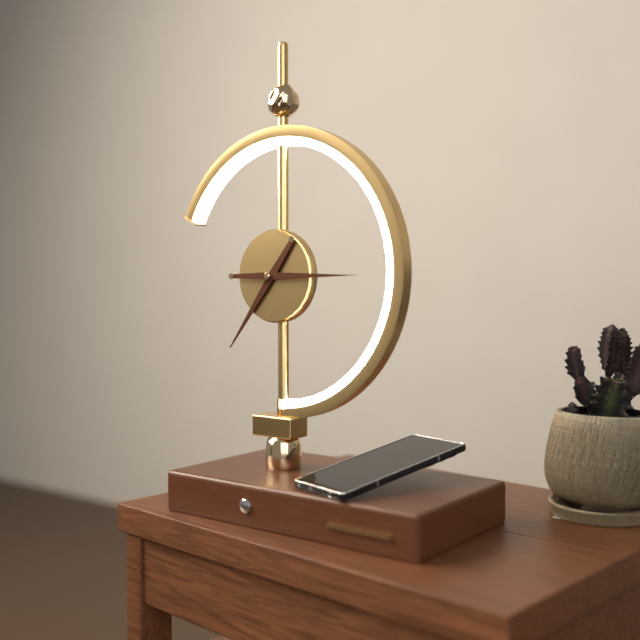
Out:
7 h 15 min
